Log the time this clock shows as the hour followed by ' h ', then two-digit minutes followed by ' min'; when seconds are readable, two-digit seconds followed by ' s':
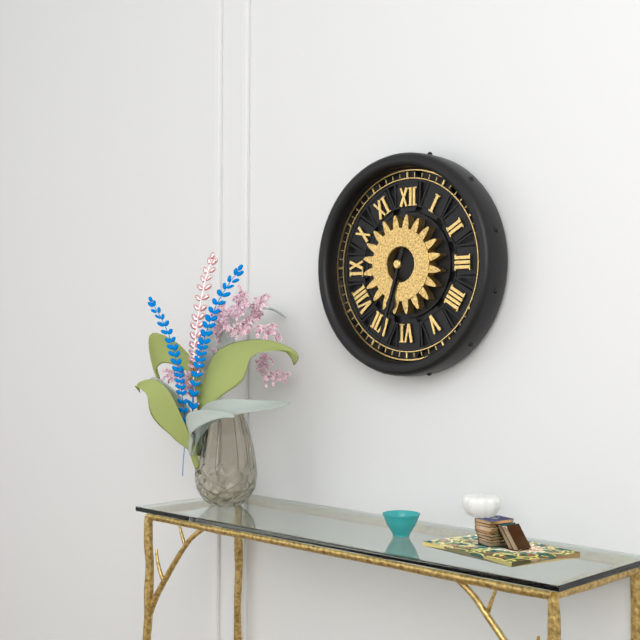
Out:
6 h 33 min
